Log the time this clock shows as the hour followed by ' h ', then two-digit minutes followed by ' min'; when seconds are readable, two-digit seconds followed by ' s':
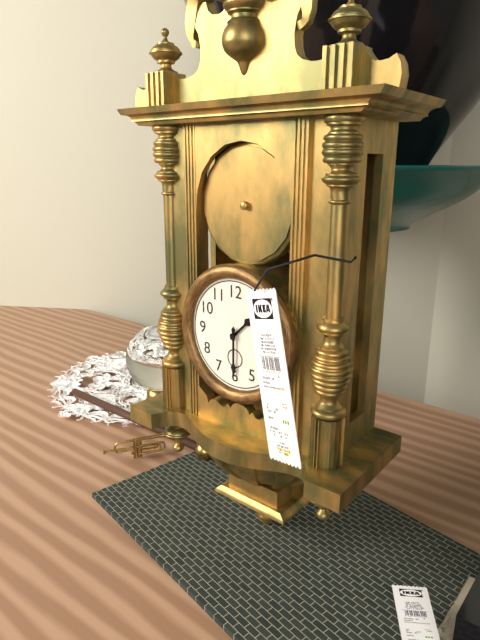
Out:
1 h 30 min
